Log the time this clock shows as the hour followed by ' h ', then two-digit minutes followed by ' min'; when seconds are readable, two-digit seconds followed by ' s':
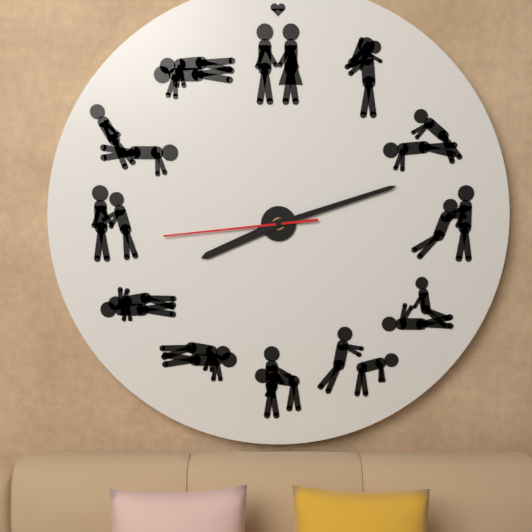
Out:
8 h 12 min 44 s
